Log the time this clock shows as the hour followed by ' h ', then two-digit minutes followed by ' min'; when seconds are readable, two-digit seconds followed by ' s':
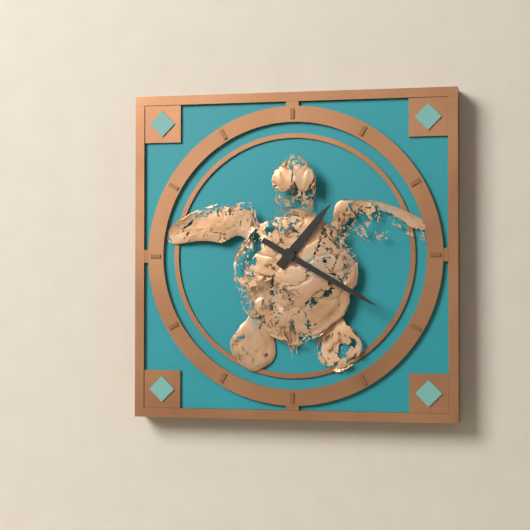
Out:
1 h 20 min
